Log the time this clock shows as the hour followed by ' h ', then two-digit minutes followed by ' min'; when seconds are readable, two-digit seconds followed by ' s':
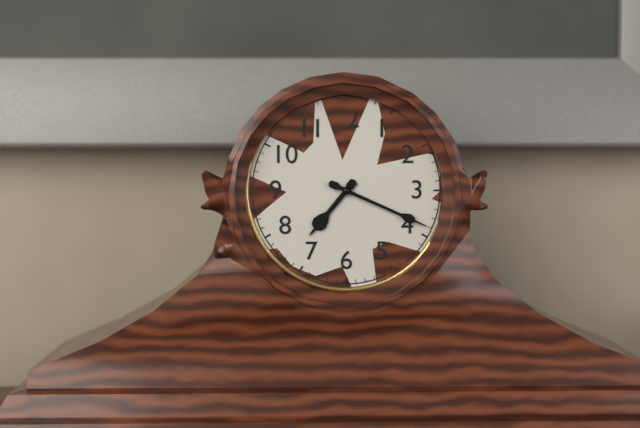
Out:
7 h 19 min
